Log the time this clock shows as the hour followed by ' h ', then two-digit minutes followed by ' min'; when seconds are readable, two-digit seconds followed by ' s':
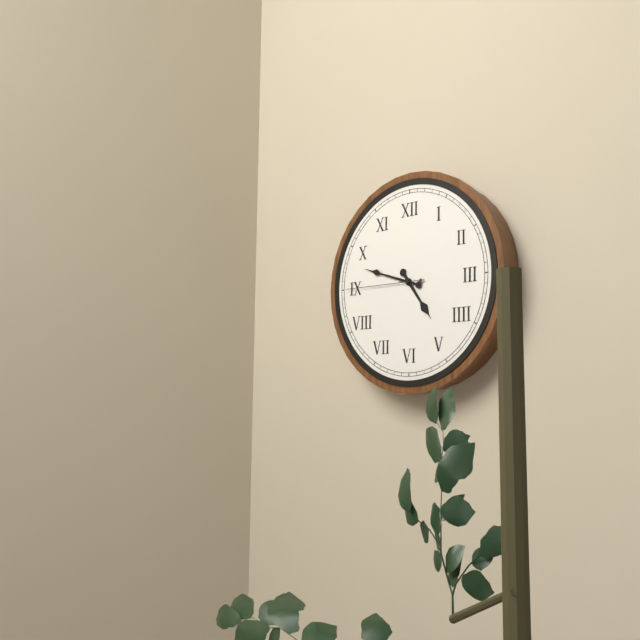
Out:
4 h 48 min 45 s
